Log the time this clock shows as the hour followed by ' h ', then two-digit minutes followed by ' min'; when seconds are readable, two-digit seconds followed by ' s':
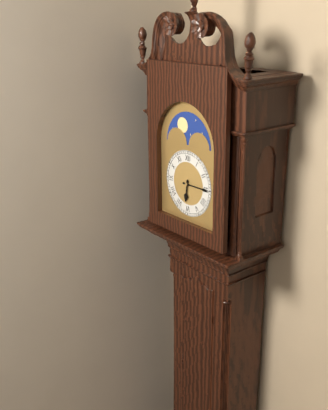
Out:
6 h 15 min
